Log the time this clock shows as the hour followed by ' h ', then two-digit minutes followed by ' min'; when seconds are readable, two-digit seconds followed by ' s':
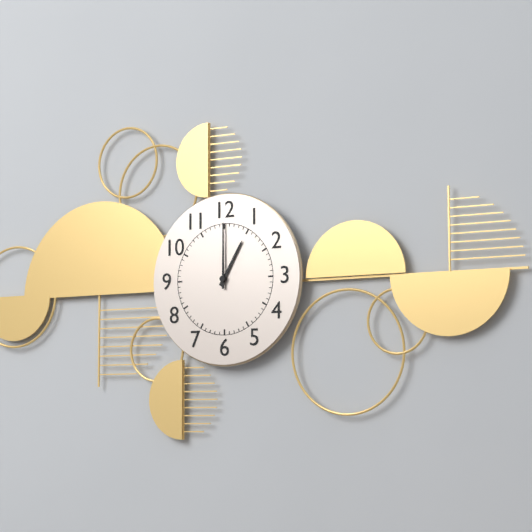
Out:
1 h 00 min
